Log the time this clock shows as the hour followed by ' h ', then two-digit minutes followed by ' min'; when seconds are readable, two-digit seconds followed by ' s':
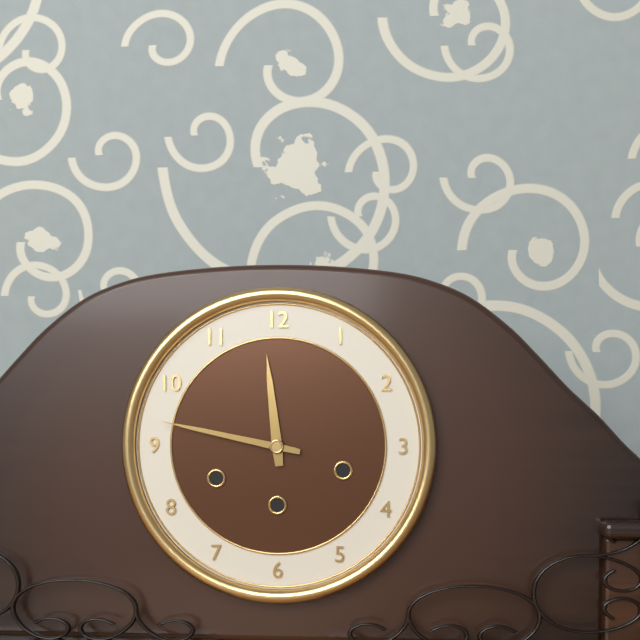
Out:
11 h 47 min
